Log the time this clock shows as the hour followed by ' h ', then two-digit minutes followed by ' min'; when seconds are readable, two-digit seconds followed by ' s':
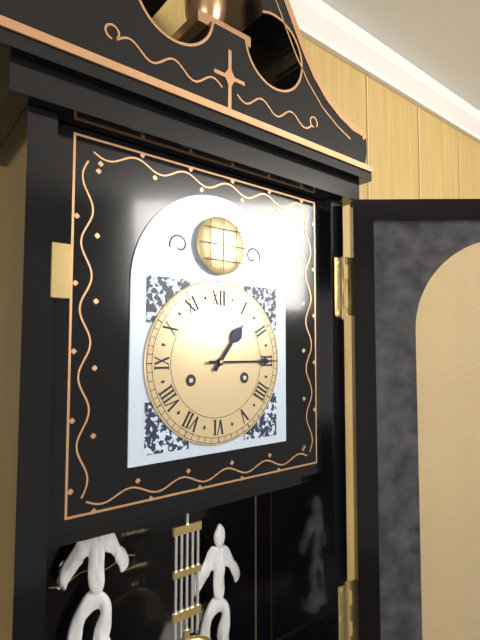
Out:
1 h 15 min
